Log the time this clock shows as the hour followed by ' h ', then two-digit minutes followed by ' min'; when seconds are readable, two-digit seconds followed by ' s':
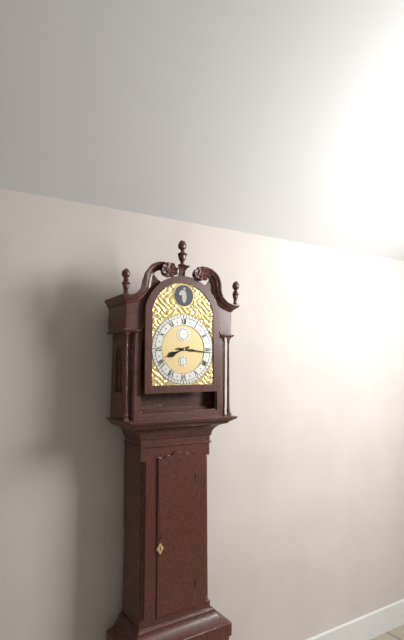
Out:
8 h 16 min
